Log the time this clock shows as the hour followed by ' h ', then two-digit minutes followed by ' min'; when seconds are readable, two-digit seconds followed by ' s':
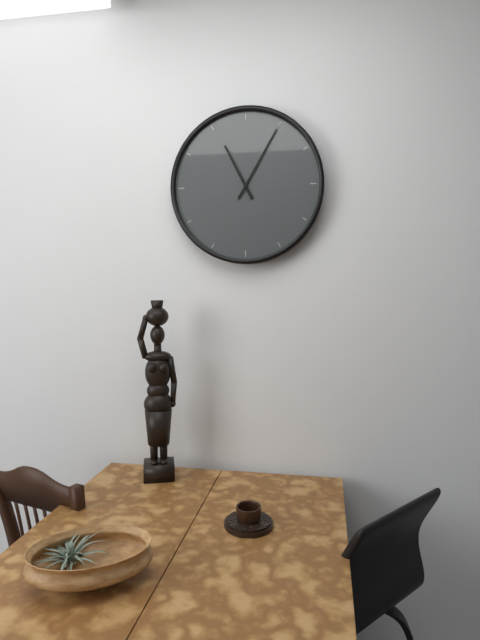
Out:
11 h 05 min
